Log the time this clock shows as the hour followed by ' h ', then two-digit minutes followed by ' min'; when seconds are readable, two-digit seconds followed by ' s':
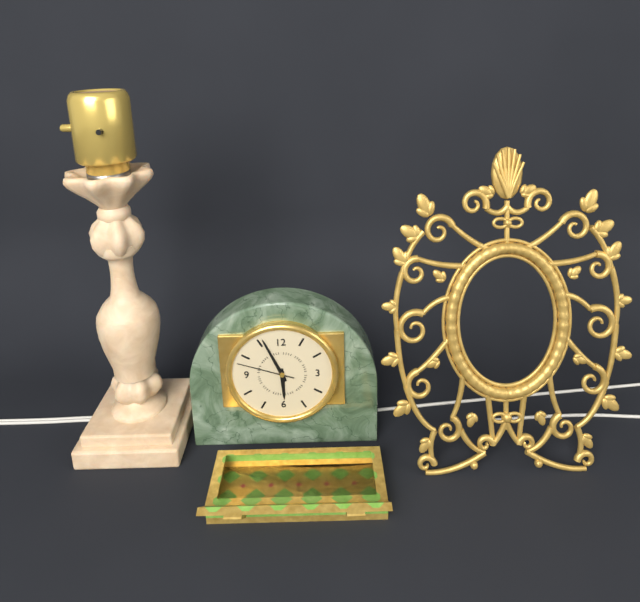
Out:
5 h 56 min 48 s
